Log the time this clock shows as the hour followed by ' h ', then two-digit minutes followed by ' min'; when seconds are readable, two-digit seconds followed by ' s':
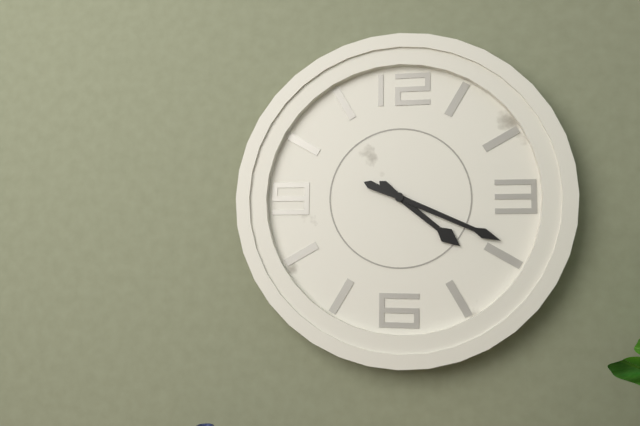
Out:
4 h 19 min
